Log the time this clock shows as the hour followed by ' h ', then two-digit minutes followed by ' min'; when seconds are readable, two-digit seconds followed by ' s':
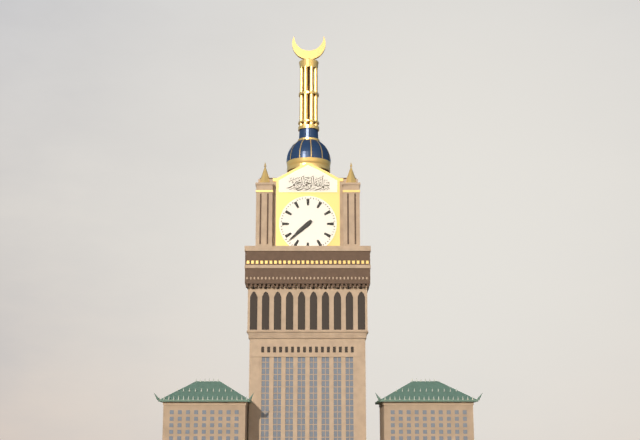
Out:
7 h 38 min
